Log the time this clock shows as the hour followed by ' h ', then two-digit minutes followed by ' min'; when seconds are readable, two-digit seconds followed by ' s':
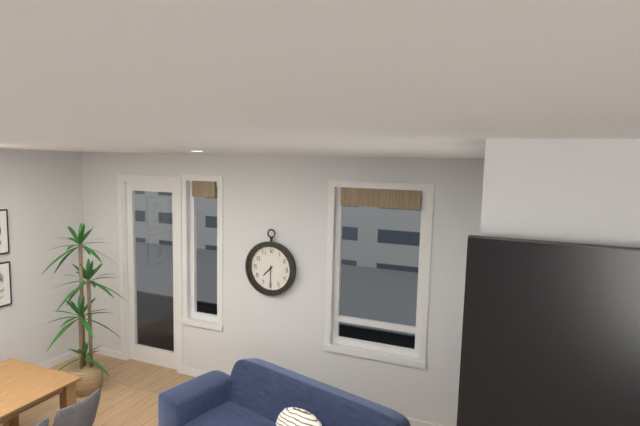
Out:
7 h 30 min
